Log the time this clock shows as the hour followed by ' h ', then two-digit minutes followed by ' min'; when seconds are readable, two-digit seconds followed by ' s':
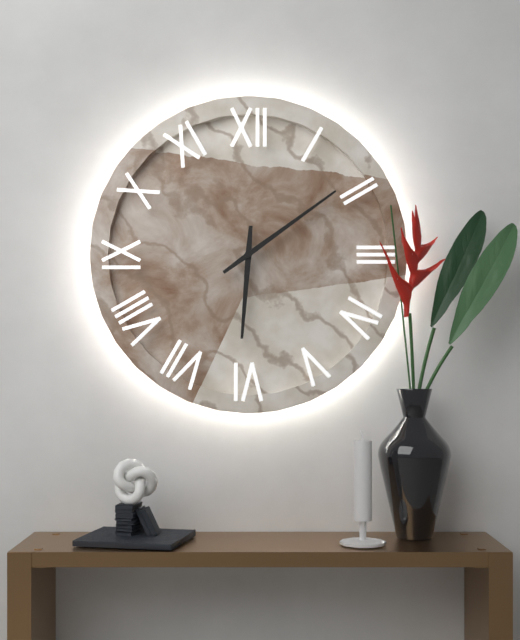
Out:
6 h 09 min
